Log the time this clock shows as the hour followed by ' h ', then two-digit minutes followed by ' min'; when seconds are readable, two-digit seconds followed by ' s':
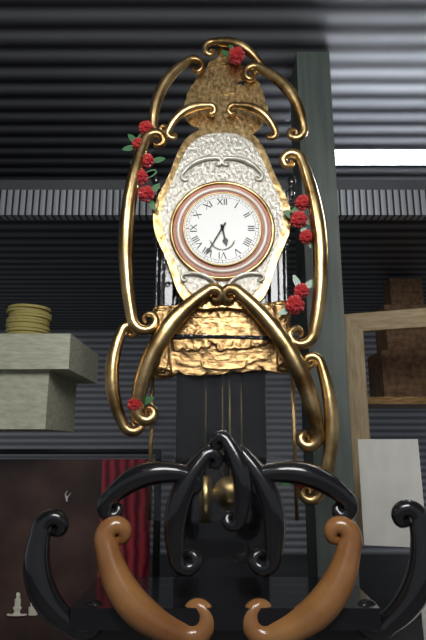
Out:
5 h 35 min
